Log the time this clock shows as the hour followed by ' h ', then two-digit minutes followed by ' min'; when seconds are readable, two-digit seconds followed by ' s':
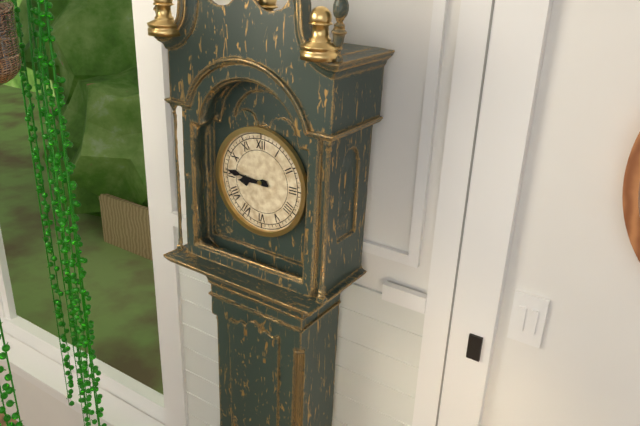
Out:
8 h 46 min
